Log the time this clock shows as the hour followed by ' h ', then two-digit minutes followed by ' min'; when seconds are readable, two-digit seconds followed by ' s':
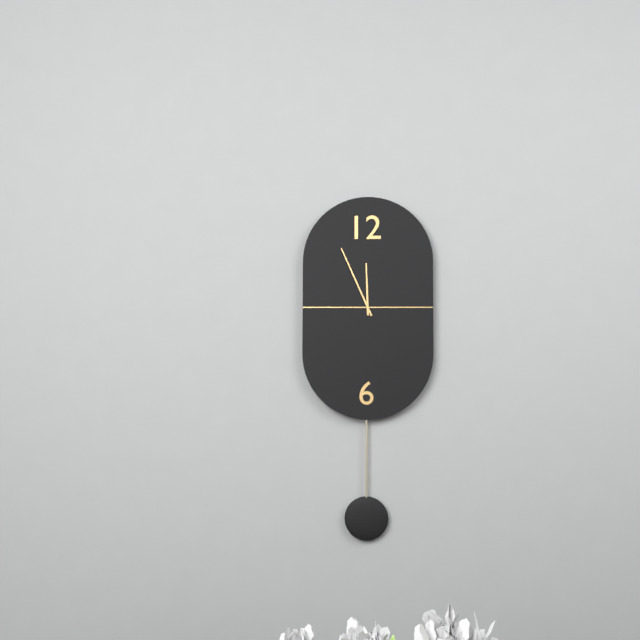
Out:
11 h 56 min
